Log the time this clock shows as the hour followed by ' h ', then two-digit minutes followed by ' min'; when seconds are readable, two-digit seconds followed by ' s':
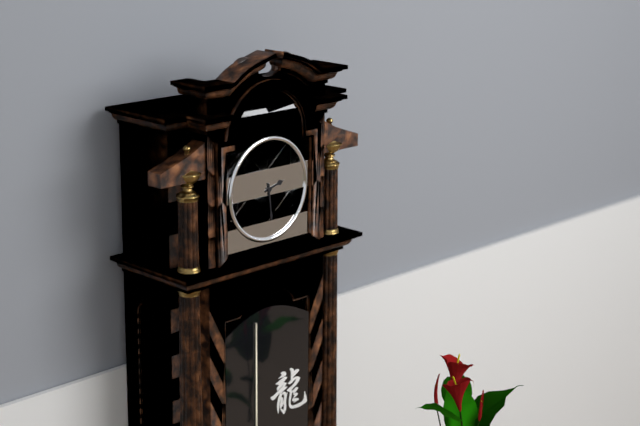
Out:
2 h 29 min
